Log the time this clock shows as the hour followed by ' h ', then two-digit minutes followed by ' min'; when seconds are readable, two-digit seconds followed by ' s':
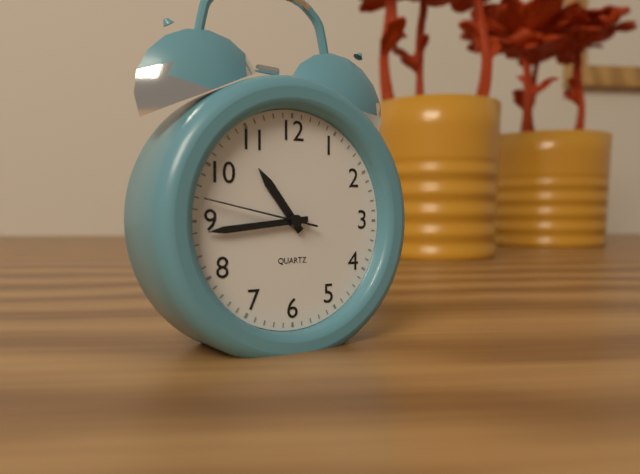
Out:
10 h 44 min 47 s
